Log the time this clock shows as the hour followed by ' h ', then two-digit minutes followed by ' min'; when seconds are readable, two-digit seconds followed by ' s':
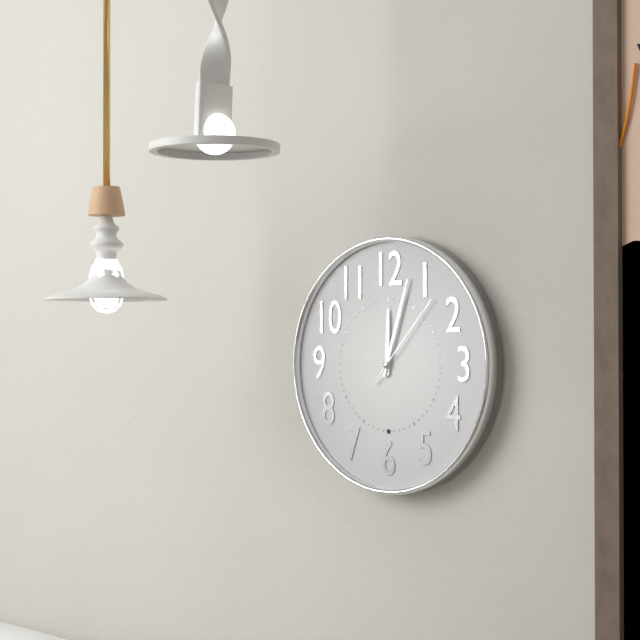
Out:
12 h 03 min 07 s
